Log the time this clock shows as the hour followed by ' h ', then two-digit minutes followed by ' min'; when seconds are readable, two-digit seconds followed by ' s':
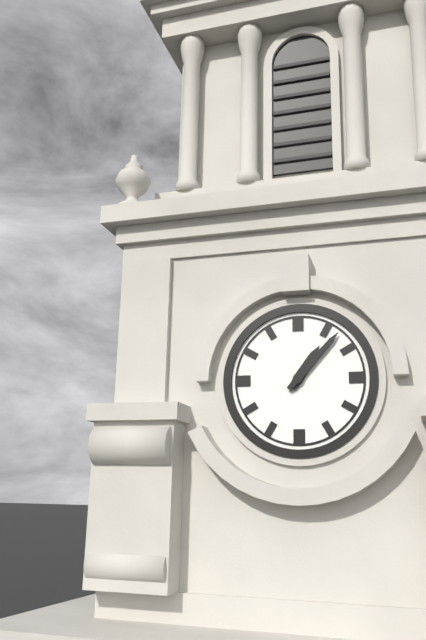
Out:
1 h 07 min
